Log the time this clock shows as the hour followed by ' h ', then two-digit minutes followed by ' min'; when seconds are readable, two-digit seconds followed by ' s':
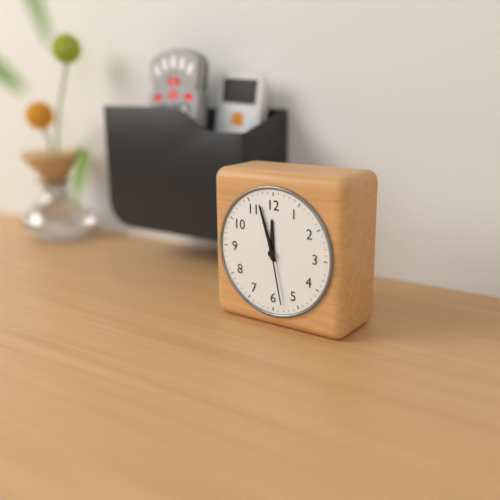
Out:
11 h 57 min 28 s
